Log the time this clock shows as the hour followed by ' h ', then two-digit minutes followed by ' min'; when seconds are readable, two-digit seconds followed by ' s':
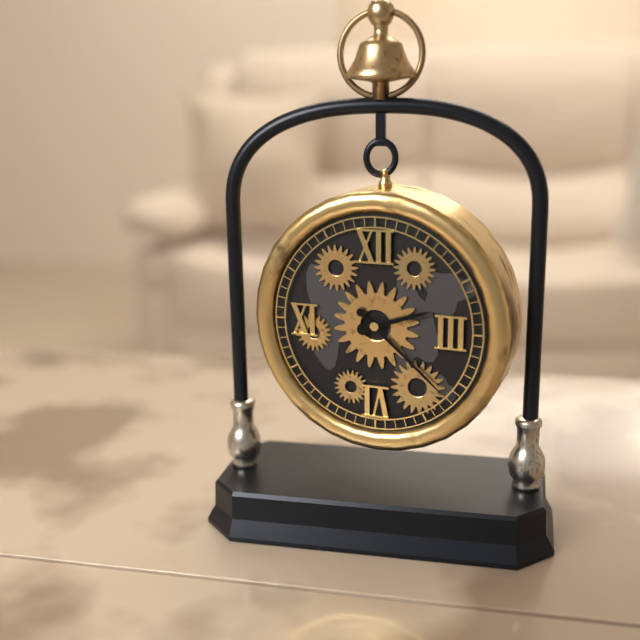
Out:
2 h 22 min
